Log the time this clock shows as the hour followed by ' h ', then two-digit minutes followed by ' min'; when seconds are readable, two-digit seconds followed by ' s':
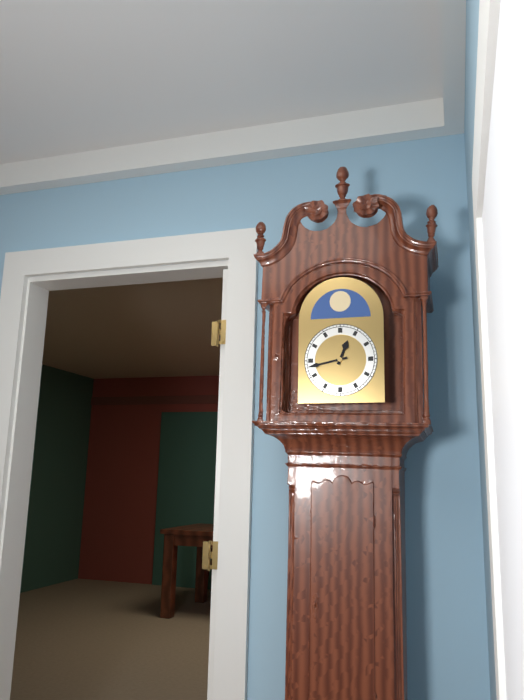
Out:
12 h 43 min
